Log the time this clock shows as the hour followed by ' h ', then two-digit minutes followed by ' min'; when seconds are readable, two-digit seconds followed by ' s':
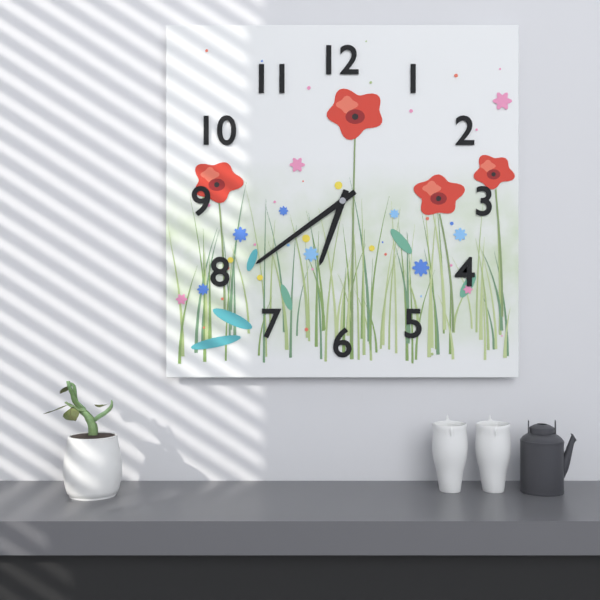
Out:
6 h 39 min
